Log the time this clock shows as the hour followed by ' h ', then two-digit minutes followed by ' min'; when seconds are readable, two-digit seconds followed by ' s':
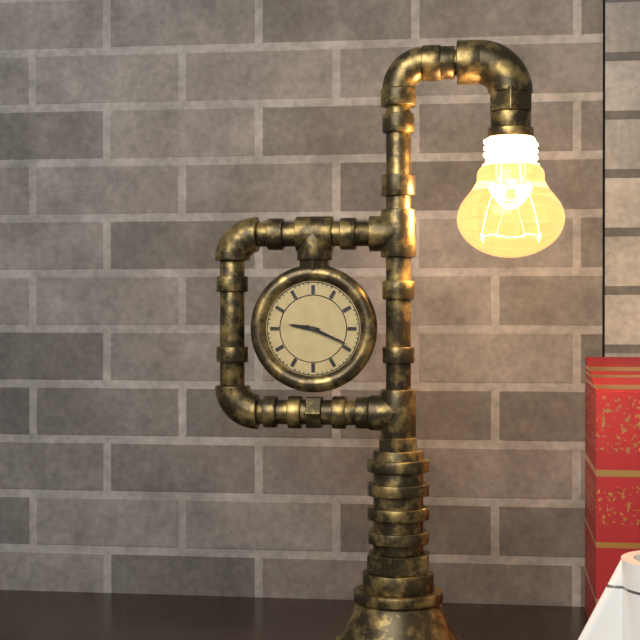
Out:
9 h 19 min
